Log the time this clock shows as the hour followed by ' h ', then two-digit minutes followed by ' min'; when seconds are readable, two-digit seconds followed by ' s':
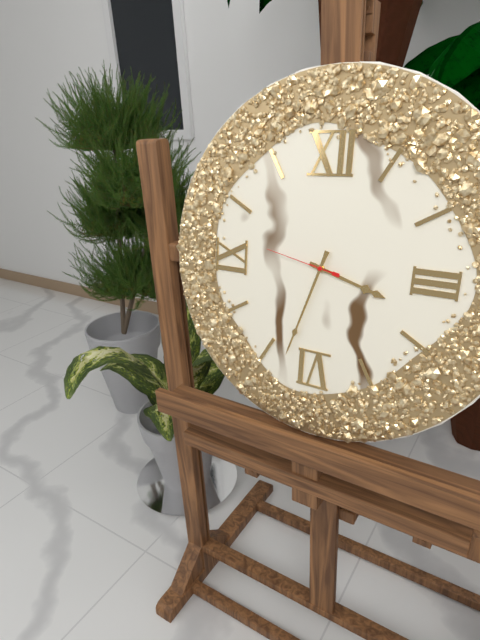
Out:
3 h 33 min 47 s
